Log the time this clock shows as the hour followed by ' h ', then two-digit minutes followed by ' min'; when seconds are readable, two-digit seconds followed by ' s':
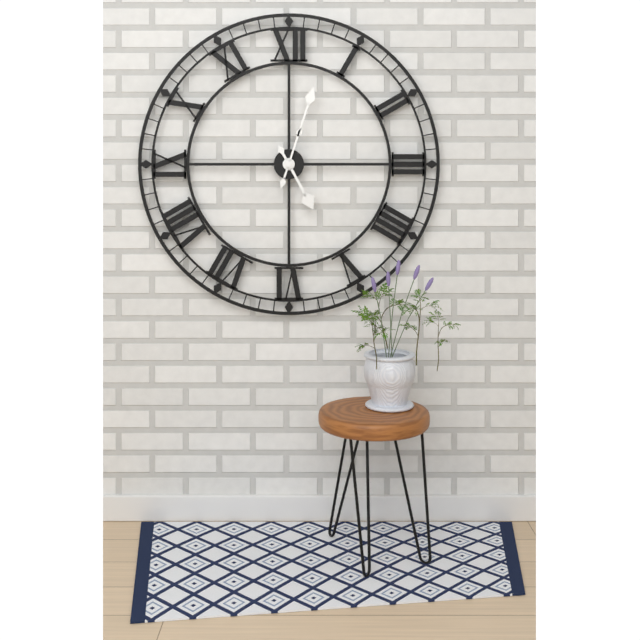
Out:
5 h 03 min
